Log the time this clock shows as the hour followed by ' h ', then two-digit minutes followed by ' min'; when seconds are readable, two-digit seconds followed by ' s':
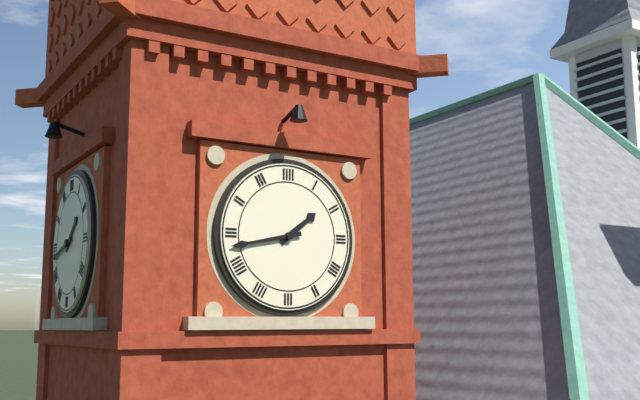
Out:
1 h 43 min
